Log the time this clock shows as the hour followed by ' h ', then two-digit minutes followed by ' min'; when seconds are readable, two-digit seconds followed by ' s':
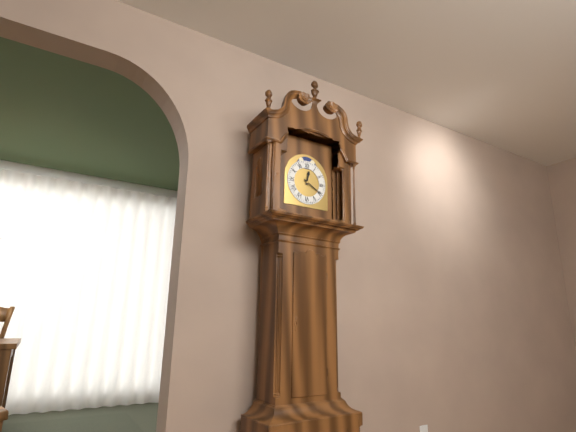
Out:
12 h 20 min
